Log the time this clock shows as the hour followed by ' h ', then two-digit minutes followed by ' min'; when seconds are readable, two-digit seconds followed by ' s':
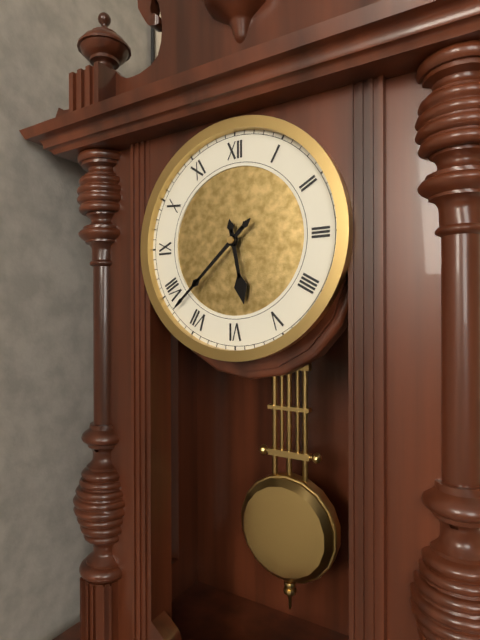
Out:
5 h 38 min
